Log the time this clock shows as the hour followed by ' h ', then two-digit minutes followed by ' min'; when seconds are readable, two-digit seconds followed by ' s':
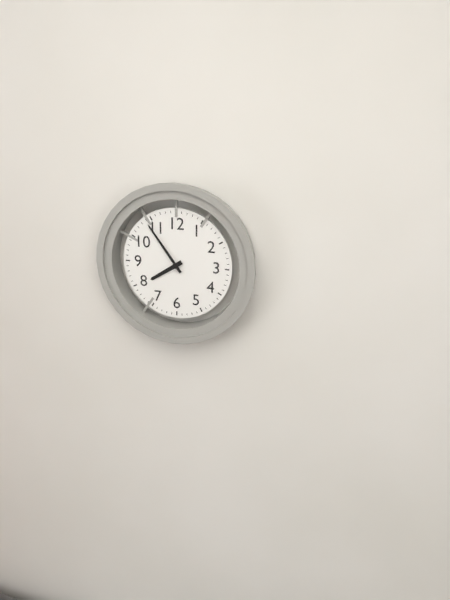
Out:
7 h 54 min
